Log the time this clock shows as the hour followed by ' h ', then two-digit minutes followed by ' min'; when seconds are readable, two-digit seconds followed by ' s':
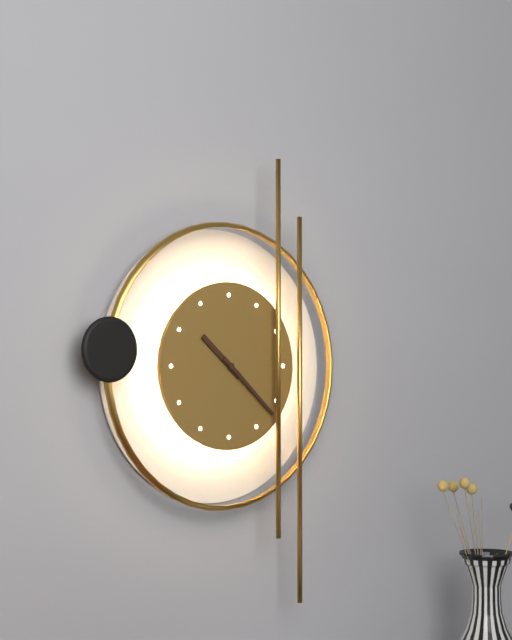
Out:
10 h 22 min
